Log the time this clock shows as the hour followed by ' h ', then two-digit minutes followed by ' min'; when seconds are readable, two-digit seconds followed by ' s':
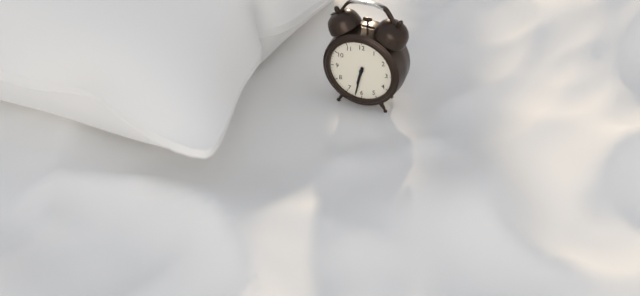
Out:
6 h 32 min
